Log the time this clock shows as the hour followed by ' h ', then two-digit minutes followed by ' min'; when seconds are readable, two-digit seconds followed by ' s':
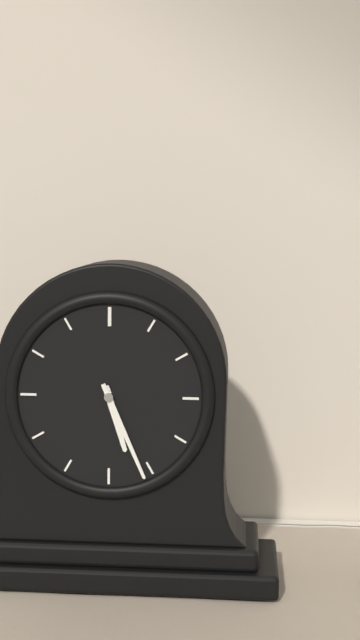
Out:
5 h 26 min
